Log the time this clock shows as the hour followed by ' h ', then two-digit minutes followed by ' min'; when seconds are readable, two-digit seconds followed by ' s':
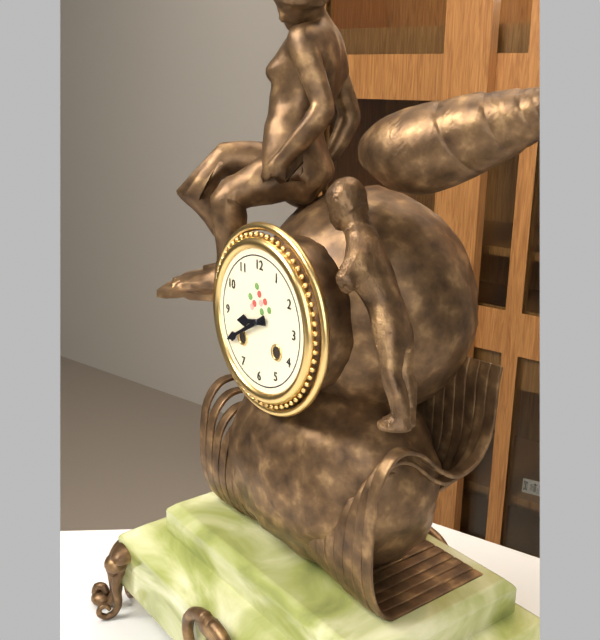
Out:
8 h 40 min
